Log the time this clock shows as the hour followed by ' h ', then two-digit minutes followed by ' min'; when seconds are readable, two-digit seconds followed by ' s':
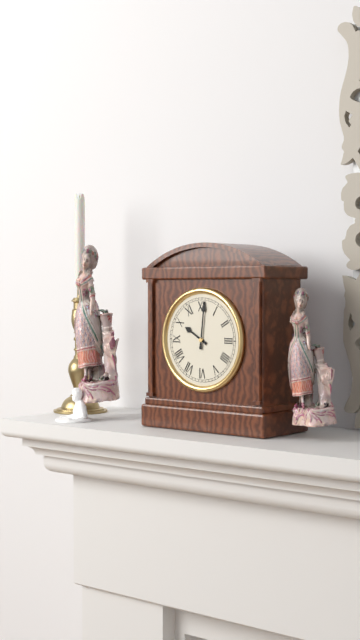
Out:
10 h 01 min
